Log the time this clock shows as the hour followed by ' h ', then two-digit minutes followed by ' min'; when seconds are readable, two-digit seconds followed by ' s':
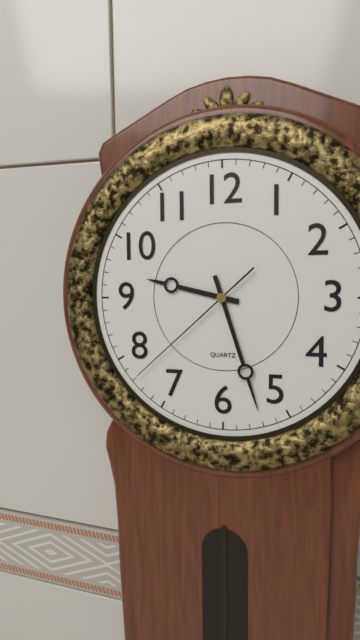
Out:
9 h 27 min 38 s
